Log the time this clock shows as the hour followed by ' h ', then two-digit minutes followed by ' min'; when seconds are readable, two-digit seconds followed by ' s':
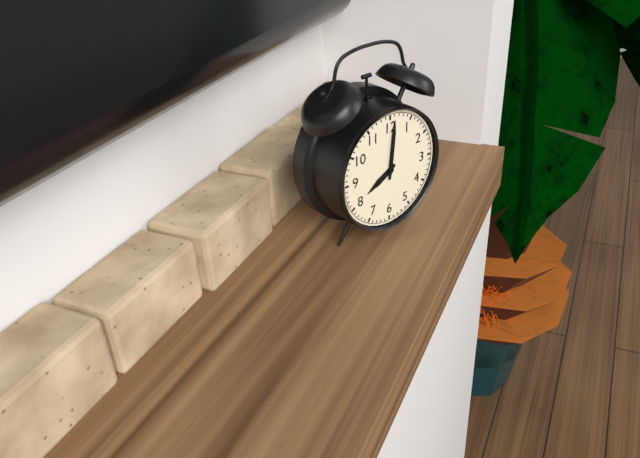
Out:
8 h 01 min
